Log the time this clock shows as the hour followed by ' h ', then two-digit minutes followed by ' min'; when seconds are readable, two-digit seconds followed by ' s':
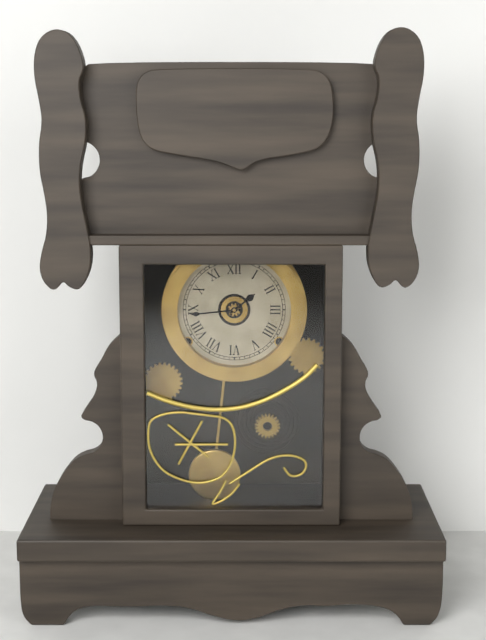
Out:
1 h 44 min
